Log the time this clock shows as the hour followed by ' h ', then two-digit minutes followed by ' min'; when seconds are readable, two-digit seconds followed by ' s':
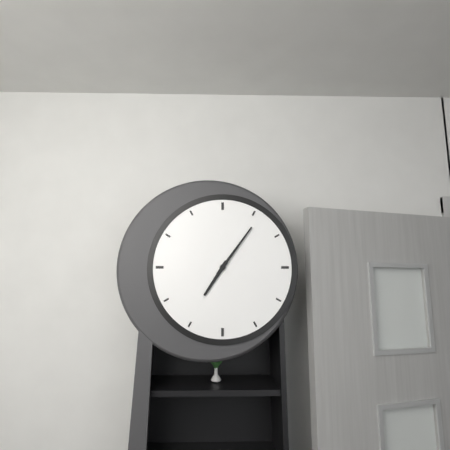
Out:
7 h 06 min
